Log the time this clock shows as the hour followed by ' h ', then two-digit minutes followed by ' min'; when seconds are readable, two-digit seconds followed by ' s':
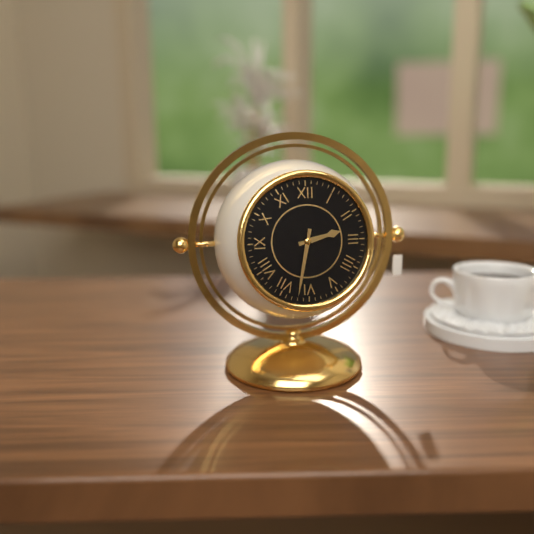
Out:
2 h 32 min
